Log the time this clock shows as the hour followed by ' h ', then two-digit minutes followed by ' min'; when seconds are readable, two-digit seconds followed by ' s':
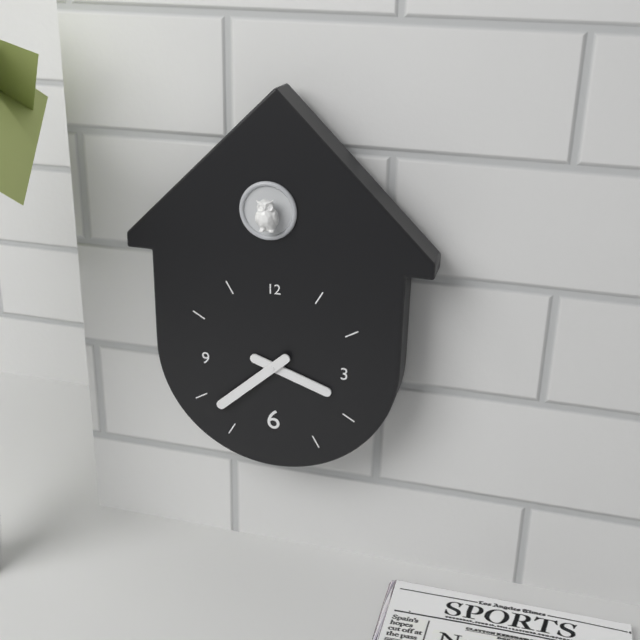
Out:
3 h 38 min
